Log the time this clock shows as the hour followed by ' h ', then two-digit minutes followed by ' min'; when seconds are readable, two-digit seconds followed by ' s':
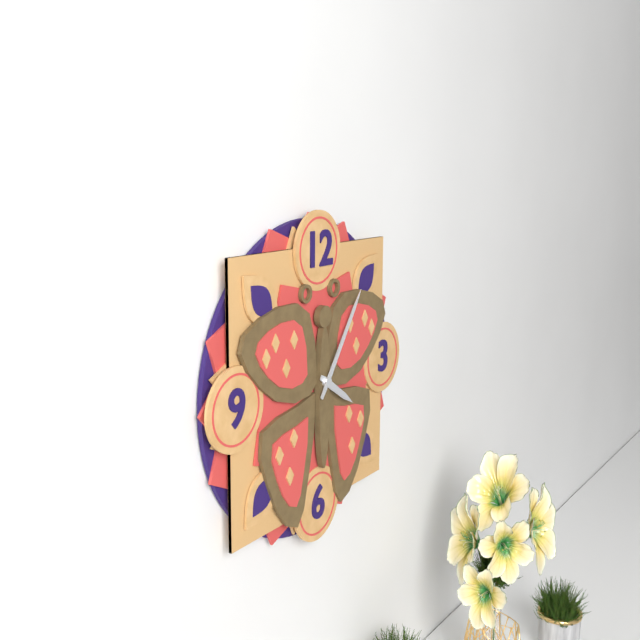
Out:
4 h 06 min
